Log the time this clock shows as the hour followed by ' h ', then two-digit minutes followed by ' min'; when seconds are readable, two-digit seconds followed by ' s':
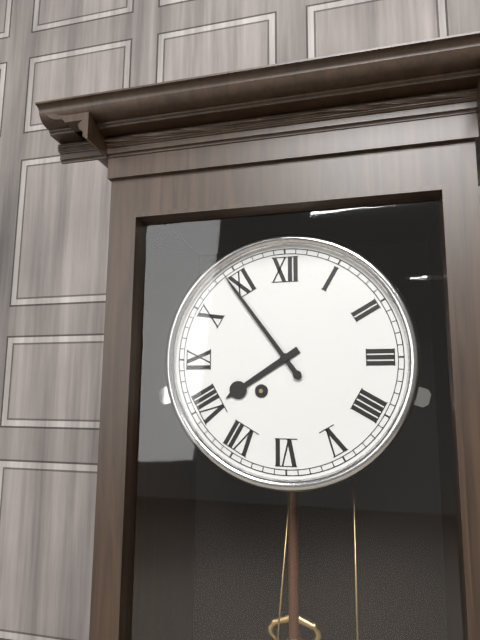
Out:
7 h 54 min
